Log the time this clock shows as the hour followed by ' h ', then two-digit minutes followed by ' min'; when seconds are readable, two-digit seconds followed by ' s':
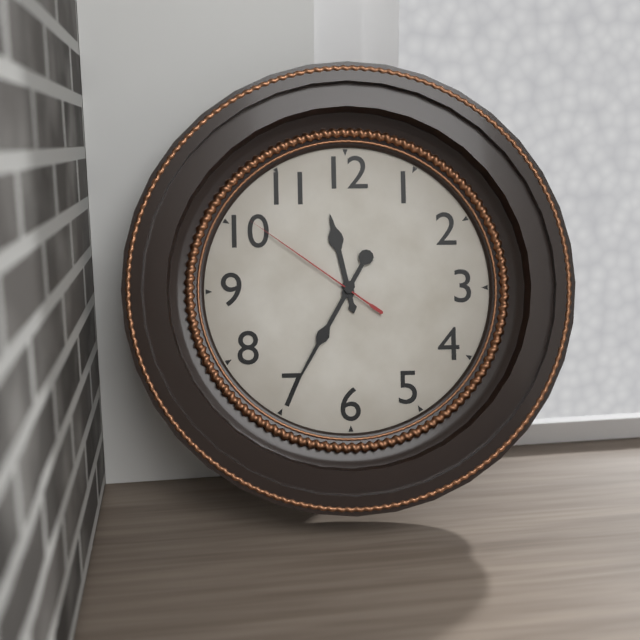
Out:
11 h 35 min 51 s
